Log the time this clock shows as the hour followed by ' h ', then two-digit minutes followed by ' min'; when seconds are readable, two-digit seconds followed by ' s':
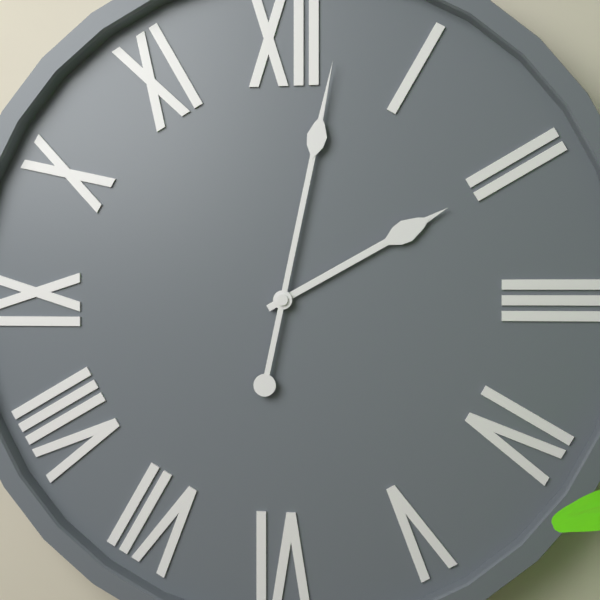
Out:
2 h 02 min
